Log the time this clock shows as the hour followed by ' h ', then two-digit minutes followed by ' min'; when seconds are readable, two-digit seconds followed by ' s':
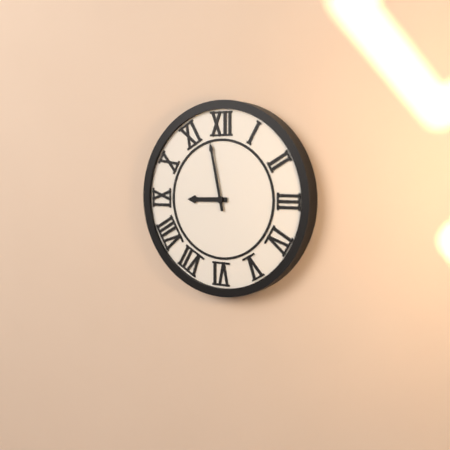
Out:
8 h 58 min
